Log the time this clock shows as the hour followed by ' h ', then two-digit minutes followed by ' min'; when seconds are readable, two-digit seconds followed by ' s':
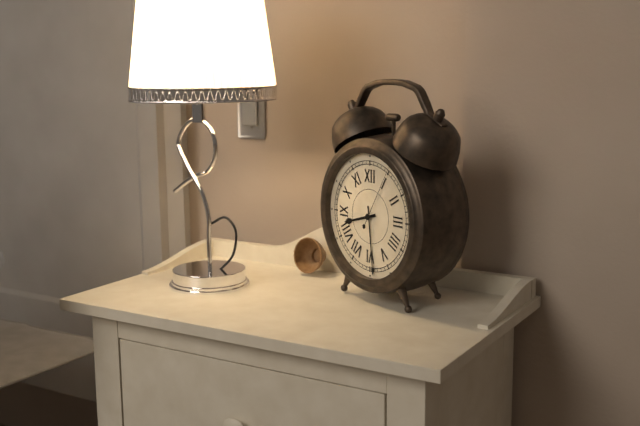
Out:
8 h 29 min 05 s
